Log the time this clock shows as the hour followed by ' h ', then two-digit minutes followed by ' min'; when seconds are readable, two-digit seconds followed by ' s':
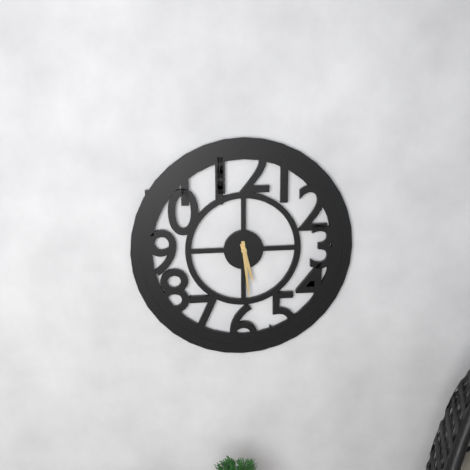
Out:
5 h 29 min
